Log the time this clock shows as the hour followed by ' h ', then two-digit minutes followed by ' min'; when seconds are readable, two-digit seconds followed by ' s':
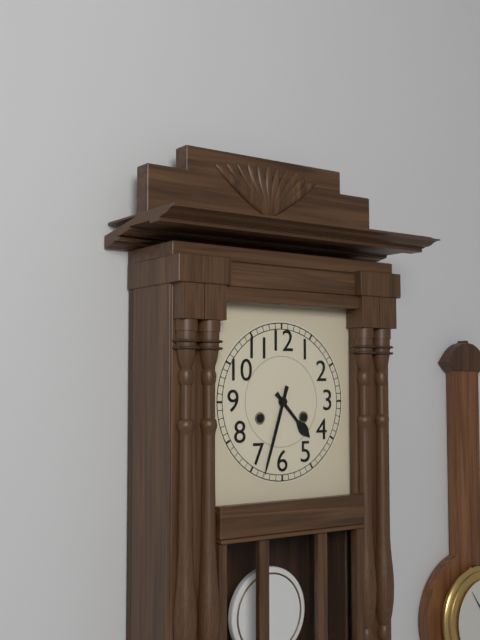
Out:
4 h 33 min
